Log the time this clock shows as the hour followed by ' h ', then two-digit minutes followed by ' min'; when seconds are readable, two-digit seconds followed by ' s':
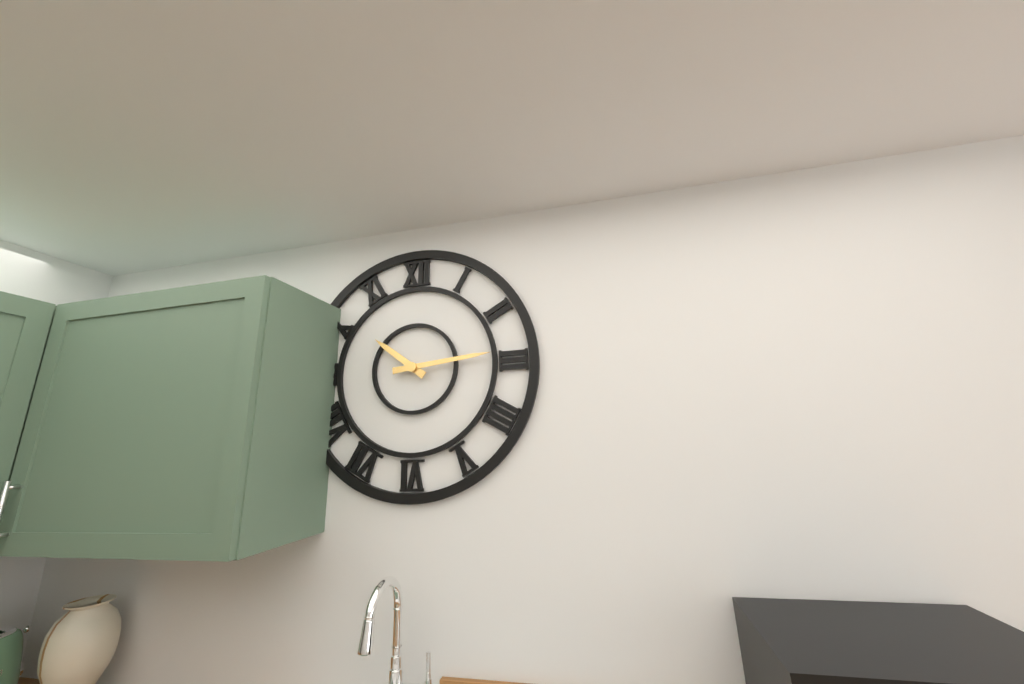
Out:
10 h 14 min
